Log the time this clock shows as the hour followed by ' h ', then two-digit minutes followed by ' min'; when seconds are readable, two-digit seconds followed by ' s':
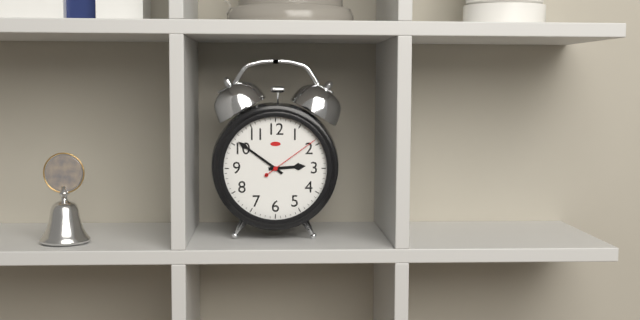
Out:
2 h 51 min 09 s
